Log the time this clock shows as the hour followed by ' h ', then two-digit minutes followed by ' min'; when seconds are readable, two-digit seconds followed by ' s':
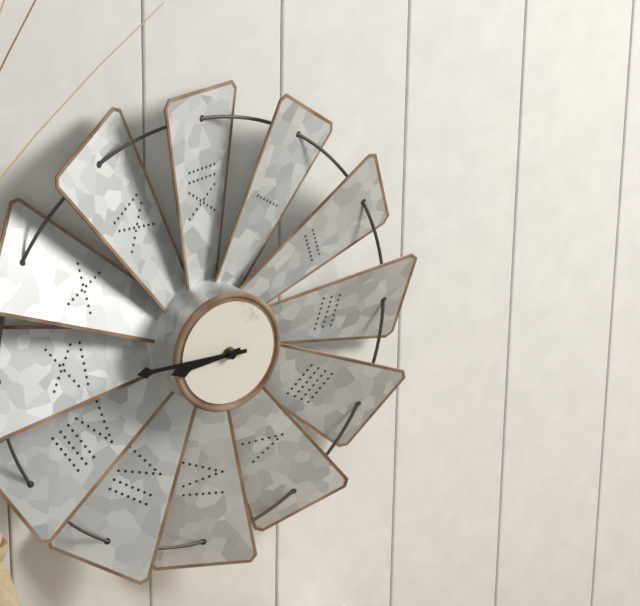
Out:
8 h 45 min
